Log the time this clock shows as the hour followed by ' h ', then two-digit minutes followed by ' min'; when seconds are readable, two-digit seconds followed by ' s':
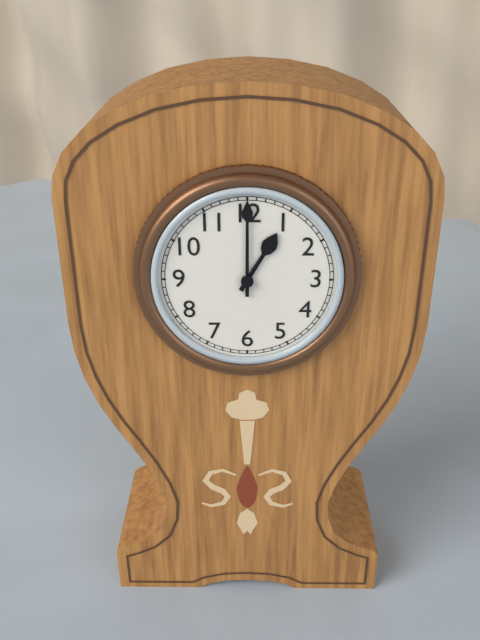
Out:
1 h 00 min
